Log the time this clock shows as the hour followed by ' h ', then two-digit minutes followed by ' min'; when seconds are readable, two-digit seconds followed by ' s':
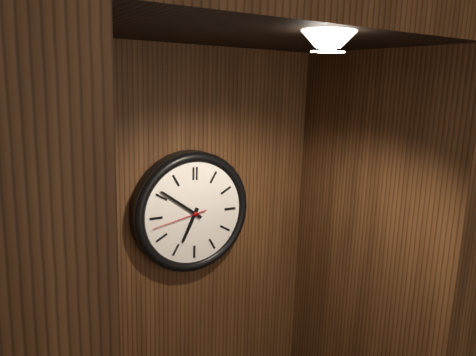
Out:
6 h 51 min 43 s
